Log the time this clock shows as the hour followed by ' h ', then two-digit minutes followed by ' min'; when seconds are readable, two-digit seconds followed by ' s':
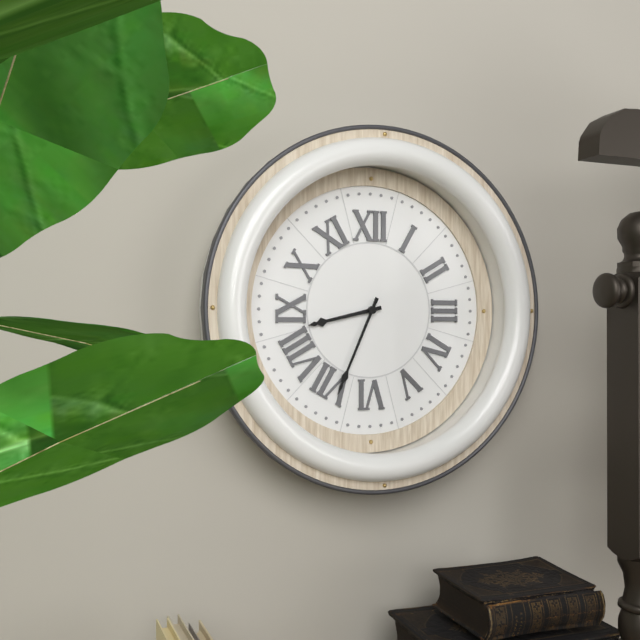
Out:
8 h 34 min
